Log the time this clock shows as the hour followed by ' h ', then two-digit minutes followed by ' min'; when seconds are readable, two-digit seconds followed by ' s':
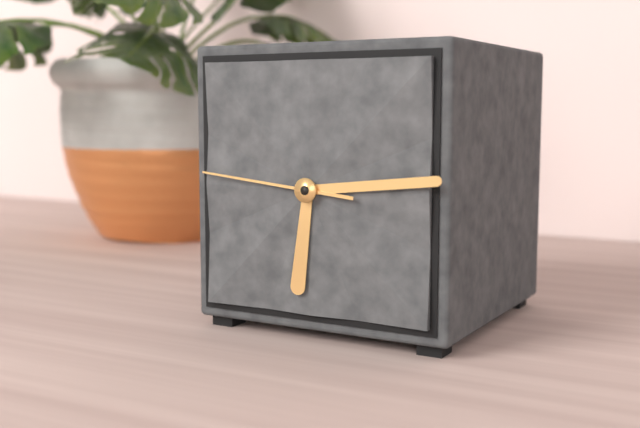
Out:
6 h 14 min 46 s
